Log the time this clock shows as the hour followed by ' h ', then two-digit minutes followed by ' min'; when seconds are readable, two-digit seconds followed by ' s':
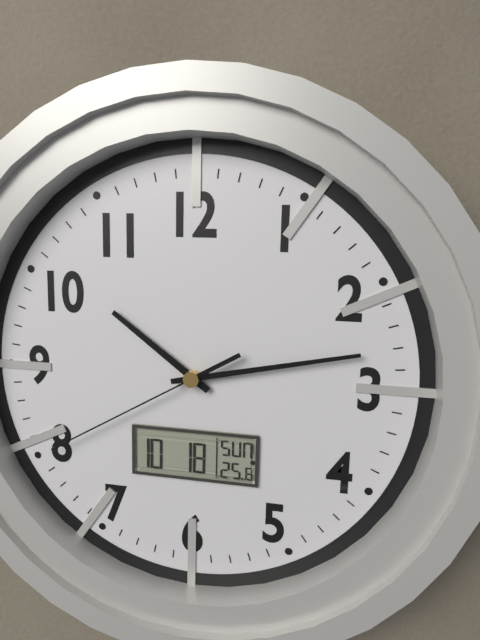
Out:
10 h 13 min 40 s
